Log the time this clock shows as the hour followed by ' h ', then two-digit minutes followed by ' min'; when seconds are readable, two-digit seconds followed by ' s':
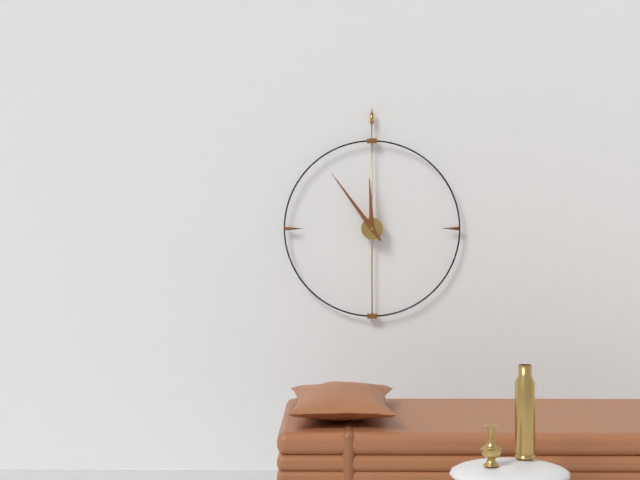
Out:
11 h 54 min
